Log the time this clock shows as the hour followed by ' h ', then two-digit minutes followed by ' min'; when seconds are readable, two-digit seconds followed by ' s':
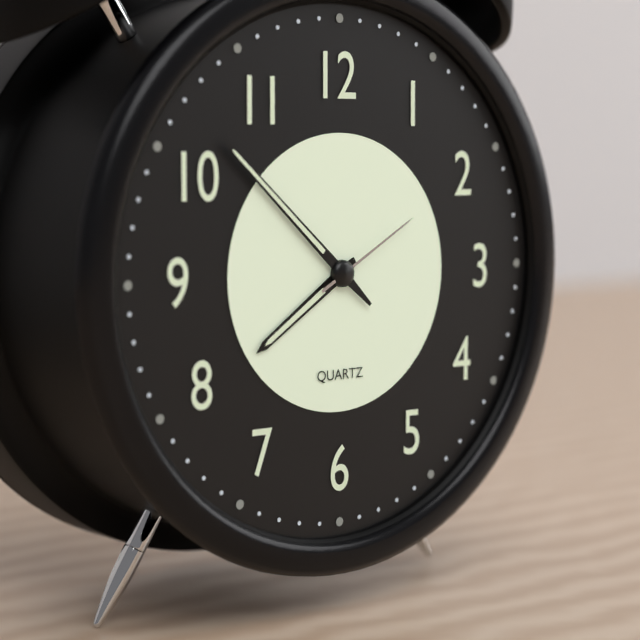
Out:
7 h 52 min 10 s
